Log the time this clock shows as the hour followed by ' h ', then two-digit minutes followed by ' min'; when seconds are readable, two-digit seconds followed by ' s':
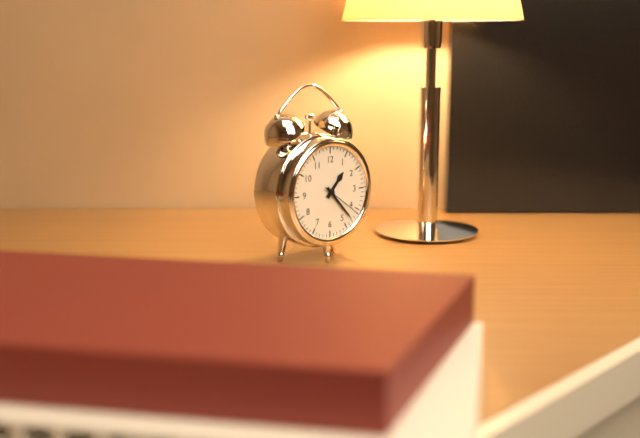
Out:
1 h 23 min
